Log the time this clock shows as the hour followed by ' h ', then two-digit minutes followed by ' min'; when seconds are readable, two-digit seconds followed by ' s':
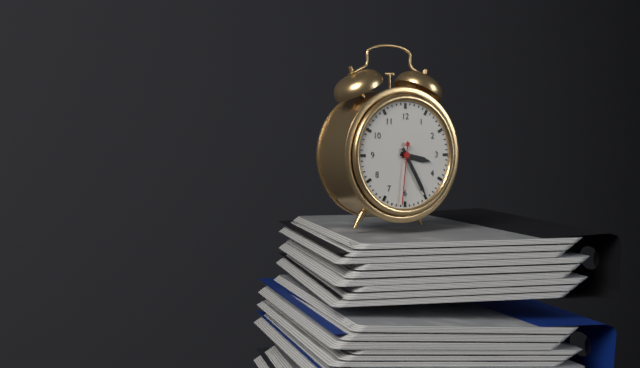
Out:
3 h 25 min 31 s
